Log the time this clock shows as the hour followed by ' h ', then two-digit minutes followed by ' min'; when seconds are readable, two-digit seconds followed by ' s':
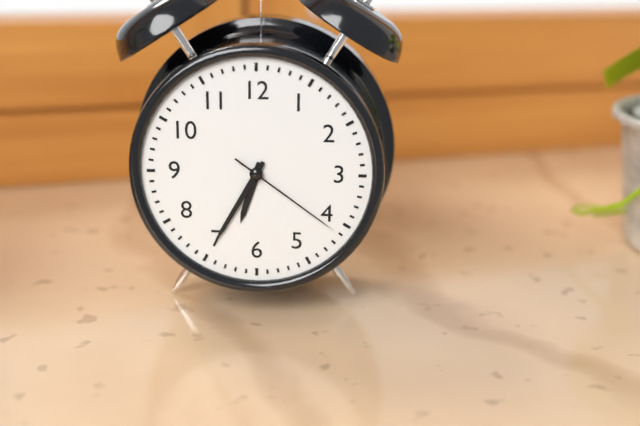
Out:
6 h 35 min 21 s
